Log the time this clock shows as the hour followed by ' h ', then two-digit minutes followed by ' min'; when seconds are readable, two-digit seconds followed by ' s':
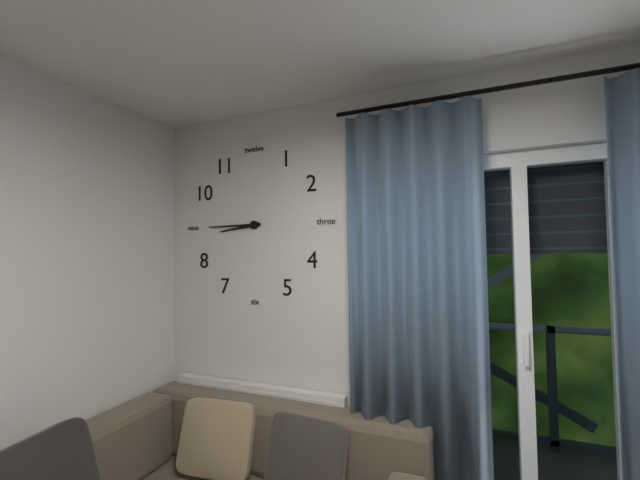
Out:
8 h 45 min
